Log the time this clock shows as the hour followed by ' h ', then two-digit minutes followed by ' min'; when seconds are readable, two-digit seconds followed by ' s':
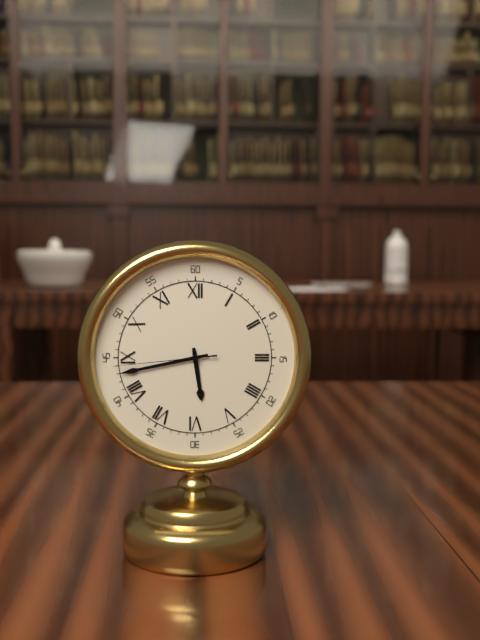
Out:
5 h 43 min 44 s
